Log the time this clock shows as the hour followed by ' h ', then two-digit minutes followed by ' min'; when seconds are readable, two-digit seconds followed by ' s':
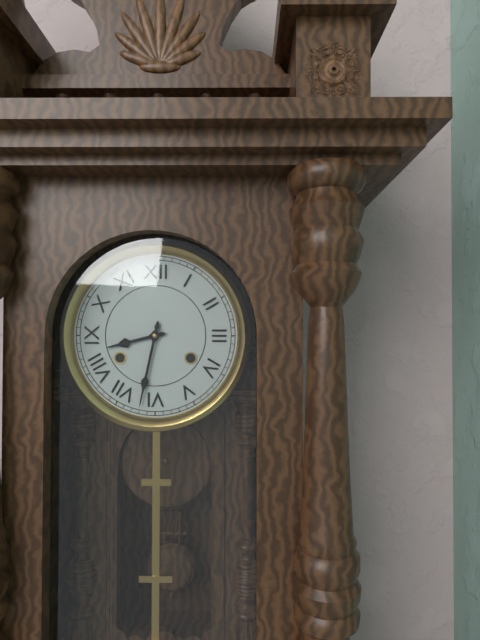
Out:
8 h 32 min
